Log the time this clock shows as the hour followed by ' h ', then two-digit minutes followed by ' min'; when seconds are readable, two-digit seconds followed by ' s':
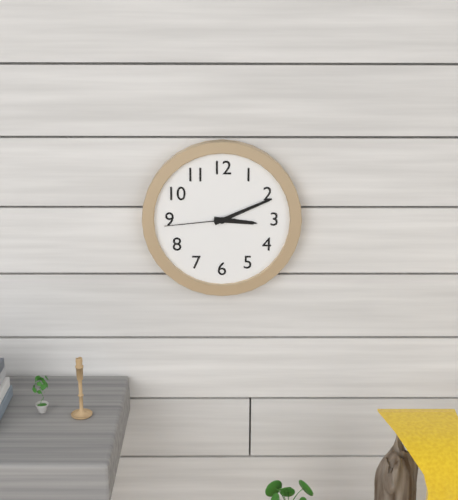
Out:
3 h 11 min 44 s
